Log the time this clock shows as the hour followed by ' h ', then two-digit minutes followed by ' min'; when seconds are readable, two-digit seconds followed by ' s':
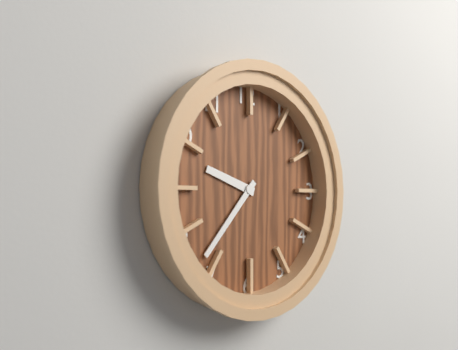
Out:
9 h 37 min
